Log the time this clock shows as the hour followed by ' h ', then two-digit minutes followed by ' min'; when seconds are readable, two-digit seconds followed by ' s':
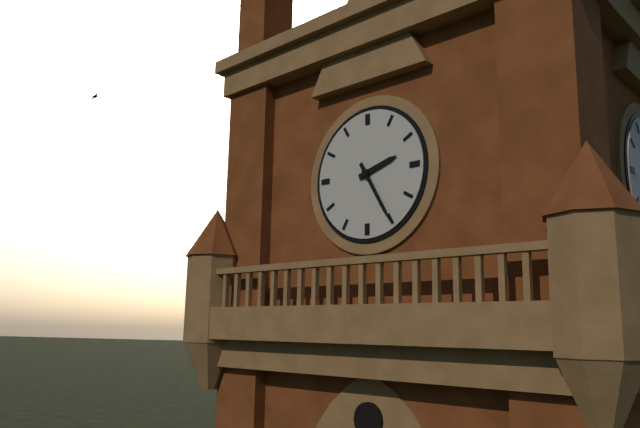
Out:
2 h 25 min
